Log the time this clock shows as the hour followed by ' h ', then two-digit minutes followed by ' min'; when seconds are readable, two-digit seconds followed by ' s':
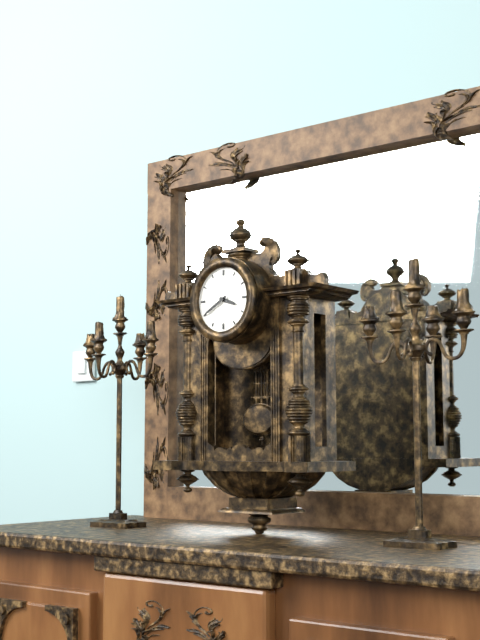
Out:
3 h 40 min
